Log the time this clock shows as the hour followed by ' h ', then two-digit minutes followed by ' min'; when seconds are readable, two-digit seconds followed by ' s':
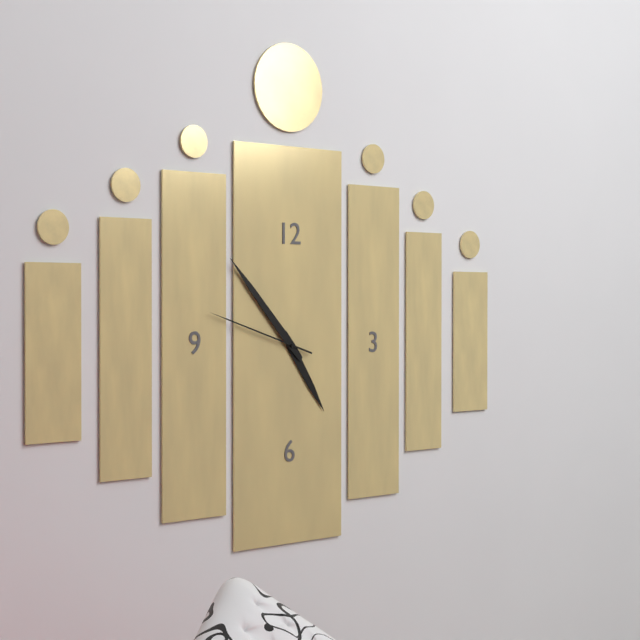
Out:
4 h 53 min 48 s
